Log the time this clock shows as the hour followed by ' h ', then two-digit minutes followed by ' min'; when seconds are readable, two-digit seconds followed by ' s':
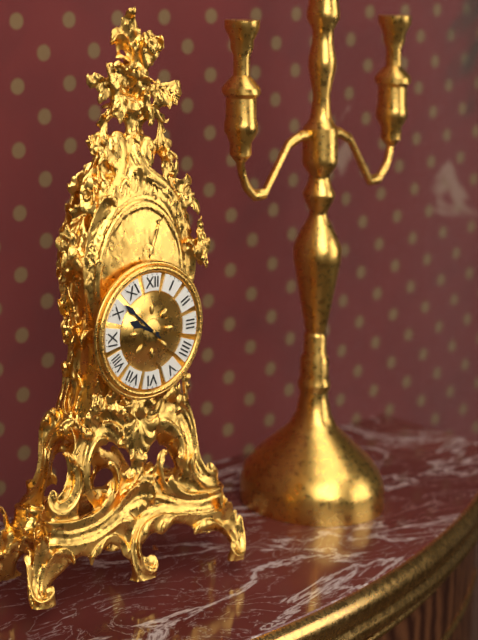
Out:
9 h 52 min
